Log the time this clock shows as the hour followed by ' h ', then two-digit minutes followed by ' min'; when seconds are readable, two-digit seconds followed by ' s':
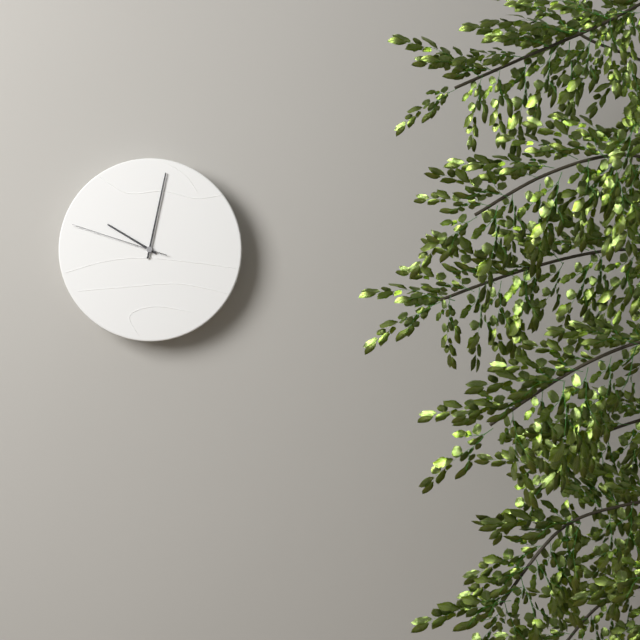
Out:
10 h 02 min 48 s
